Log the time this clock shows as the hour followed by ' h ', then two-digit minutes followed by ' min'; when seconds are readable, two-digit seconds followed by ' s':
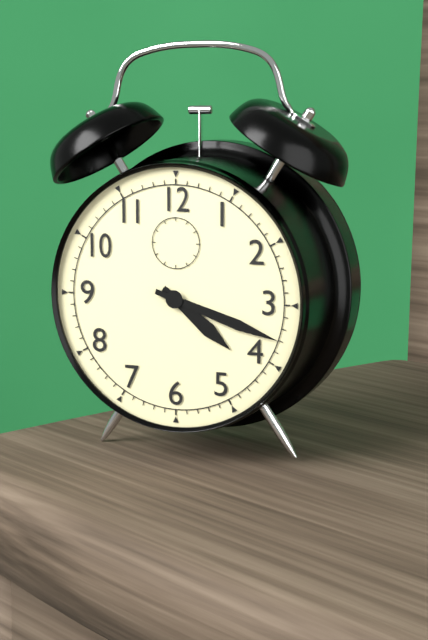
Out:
4 h 18 min
